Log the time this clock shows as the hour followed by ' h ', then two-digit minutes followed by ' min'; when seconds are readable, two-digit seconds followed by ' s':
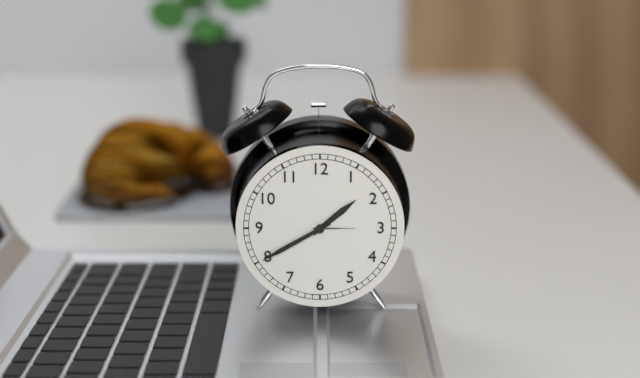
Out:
1 h 40 min
